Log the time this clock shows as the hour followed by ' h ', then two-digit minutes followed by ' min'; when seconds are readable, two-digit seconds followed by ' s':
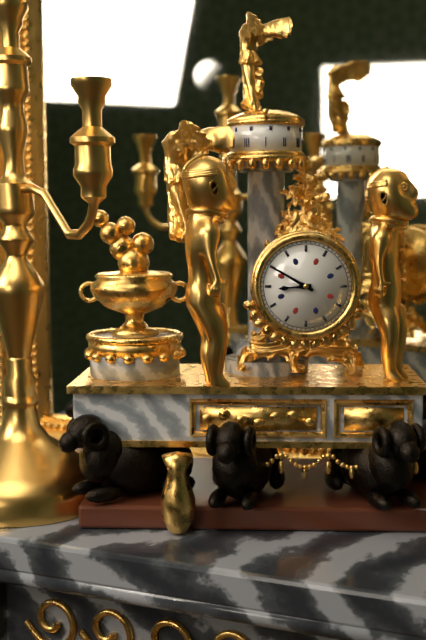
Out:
8 h 50 min
